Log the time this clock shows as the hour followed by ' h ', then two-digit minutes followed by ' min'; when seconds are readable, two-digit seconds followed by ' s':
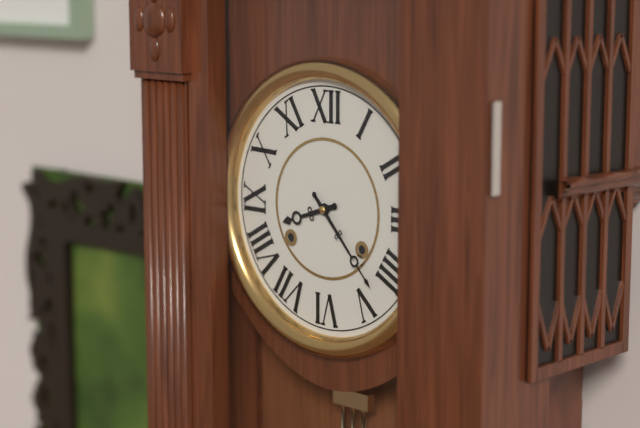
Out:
8 h 23 min
